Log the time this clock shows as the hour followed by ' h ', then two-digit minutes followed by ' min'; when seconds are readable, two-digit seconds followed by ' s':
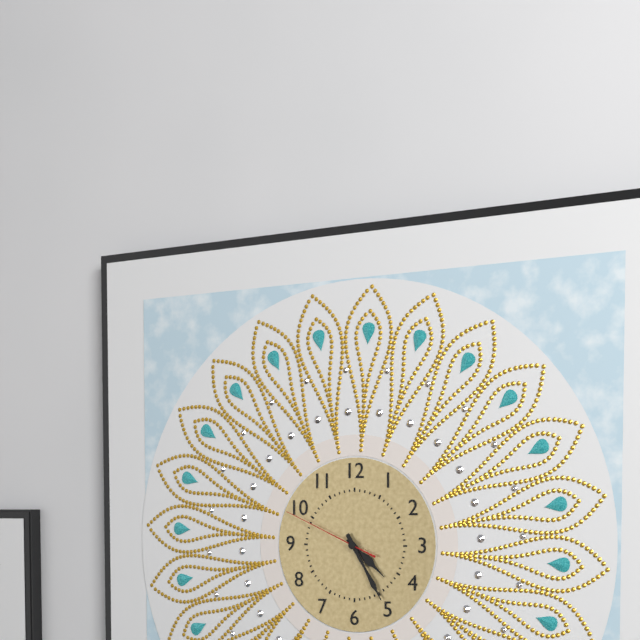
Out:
4 h 25 min 49 s
